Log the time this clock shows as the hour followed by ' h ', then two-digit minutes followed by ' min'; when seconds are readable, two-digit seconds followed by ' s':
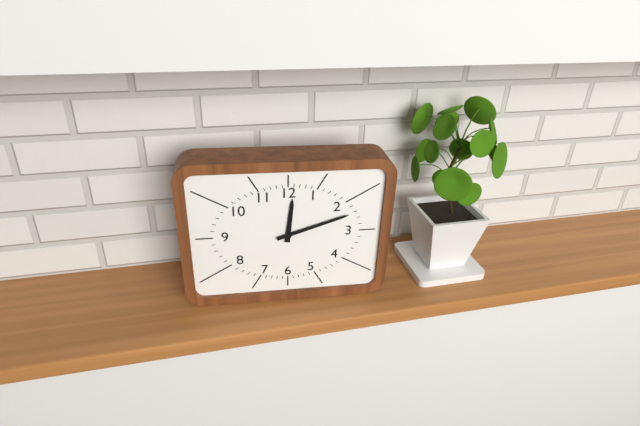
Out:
12 h 12 min
